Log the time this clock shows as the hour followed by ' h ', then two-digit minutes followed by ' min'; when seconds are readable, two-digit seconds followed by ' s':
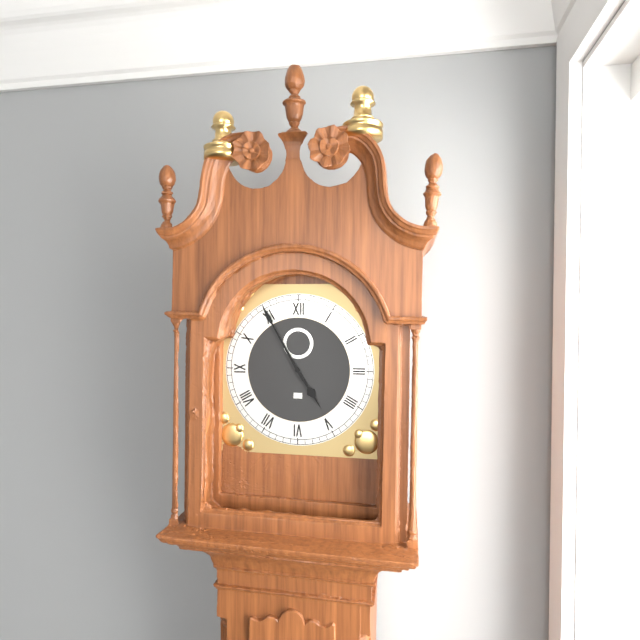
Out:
4 h 55 min
